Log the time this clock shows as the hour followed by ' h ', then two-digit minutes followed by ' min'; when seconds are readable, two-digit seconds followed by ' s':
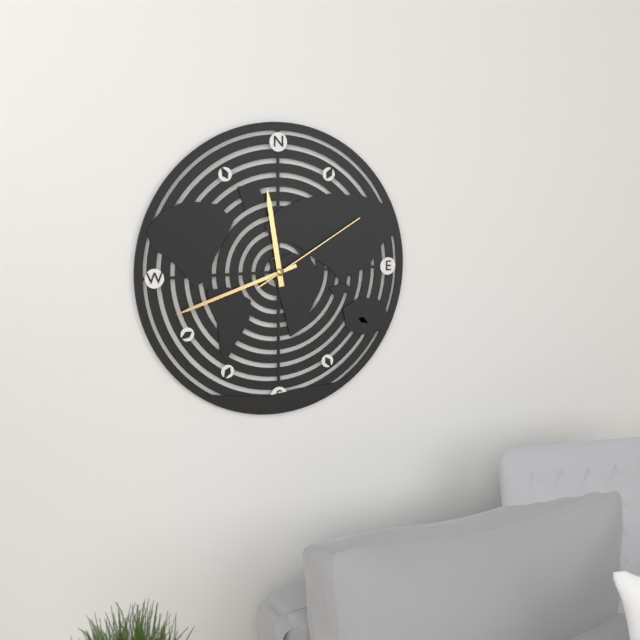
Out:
11 h 42 min 10 s
